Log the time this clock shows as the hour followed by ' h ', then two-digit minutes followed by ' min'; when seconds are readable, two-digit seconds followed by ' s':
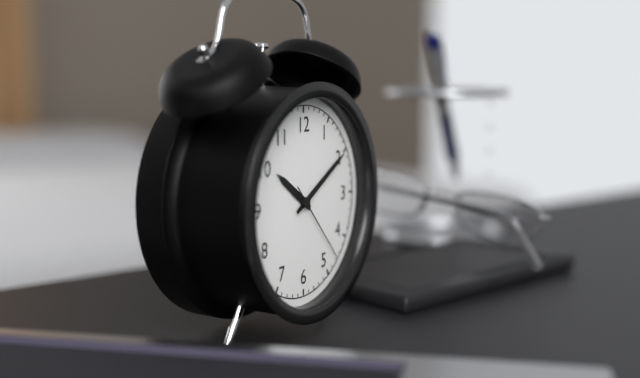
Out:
10 h 10 min 23 s
